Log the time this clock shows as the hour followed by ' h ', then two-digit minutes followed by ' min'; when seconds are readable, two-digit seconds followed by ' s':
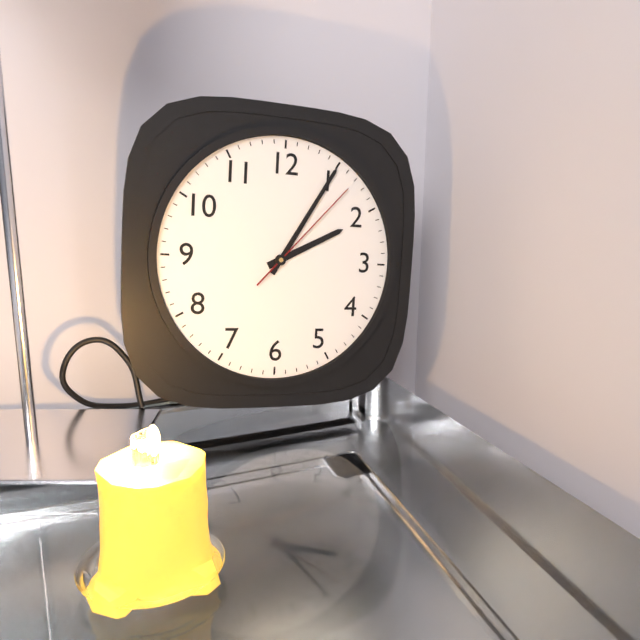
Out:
2 h 05 min 07 s
